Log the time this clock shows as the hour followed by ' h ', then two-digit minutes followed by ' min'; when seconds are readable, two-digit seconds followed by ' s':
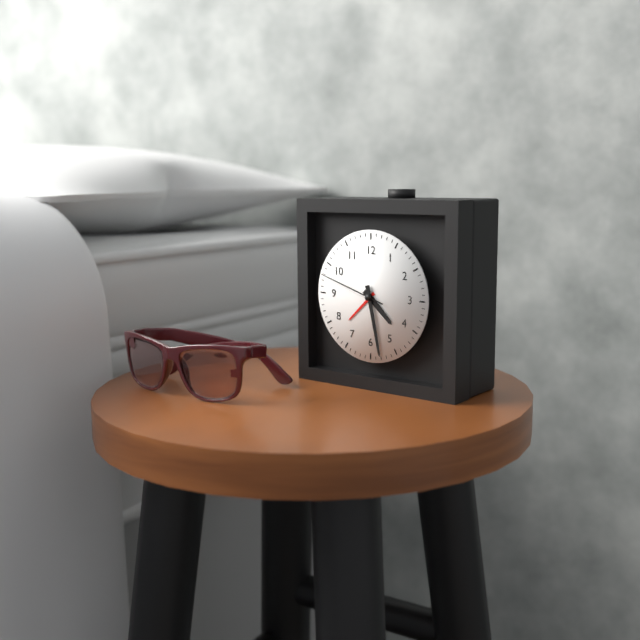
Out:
4 h 28 min 48 s
